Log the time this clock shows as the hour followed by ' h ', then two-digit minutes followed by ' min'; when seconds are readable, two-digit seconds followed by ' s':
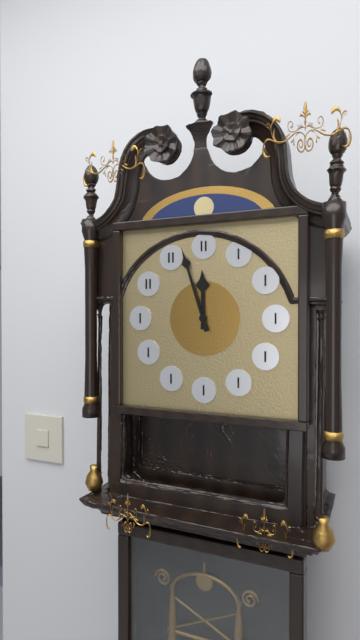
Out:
11 h 57 min
